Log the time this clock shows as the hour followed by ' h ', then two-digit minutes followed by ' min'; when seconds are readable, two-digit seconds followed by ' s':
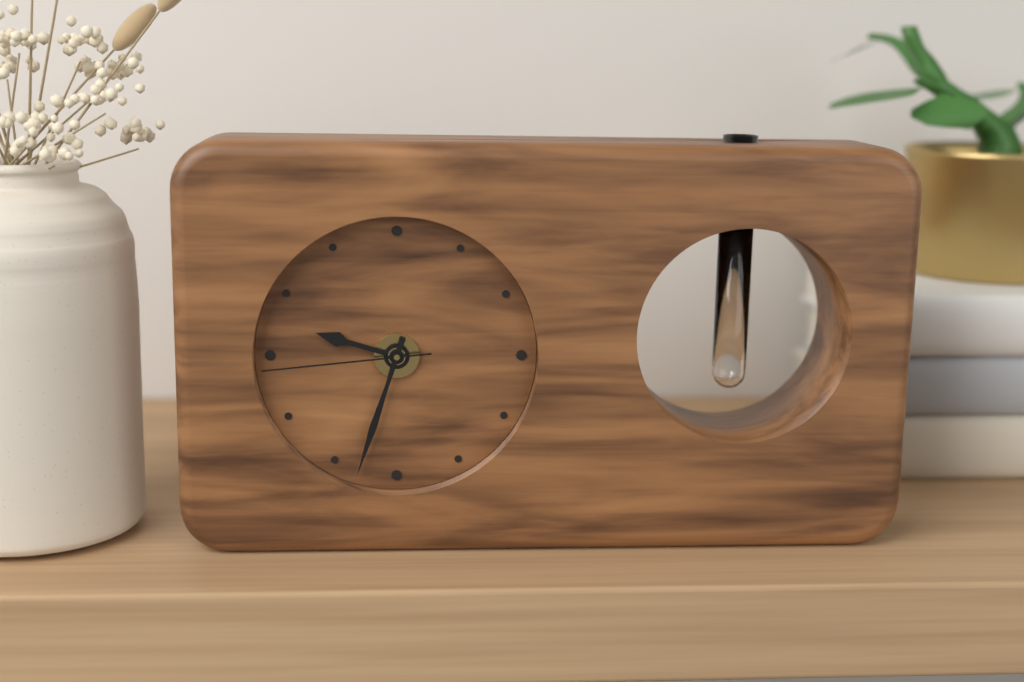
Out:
9 h 33 min 44 s
